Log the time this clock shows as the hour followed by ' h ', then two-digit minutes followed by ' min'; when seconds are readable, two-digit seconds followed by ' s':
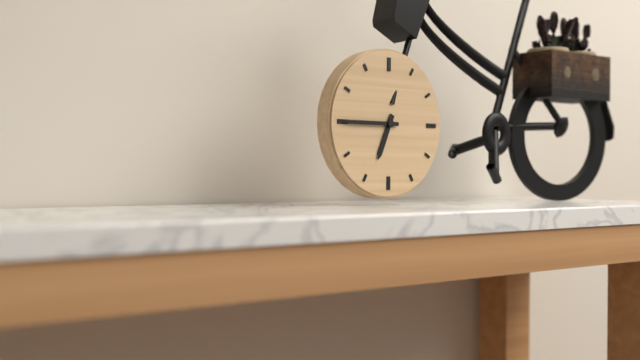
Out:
6 h 45 min
